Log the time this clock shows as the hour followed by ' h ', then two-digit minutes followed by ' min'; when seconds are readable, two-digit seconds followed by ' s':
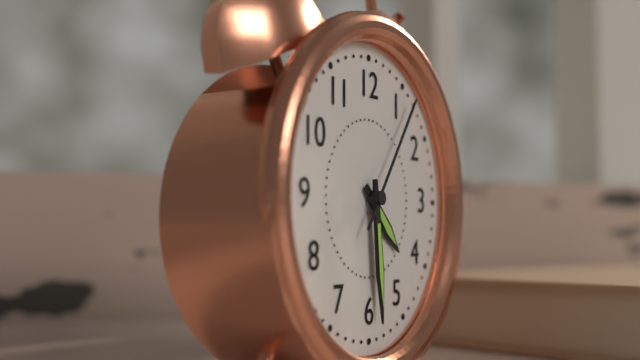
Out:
4 h 29 min 06 s
